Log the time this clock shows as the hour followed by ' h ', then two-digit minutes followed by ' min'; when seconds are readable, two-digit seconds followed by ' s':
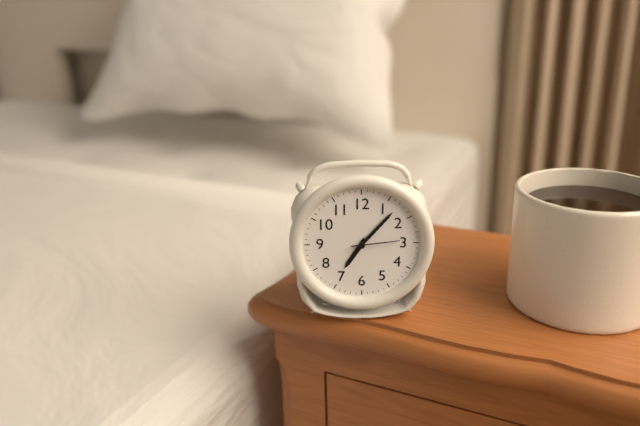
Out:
7 h 07 min
